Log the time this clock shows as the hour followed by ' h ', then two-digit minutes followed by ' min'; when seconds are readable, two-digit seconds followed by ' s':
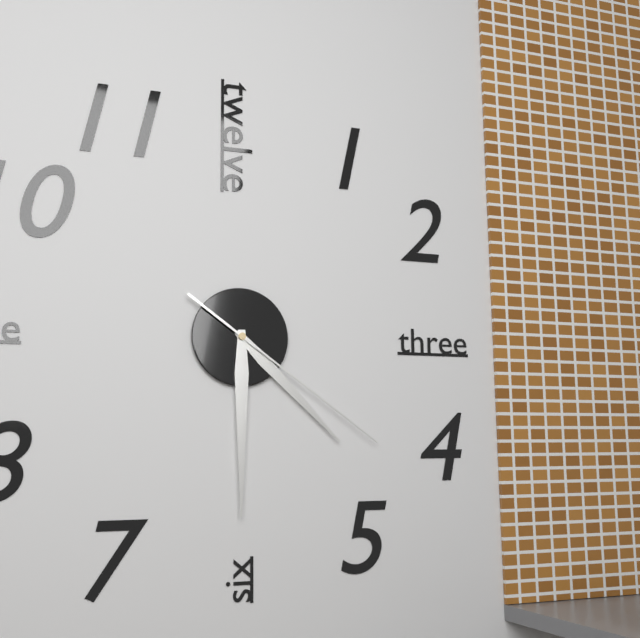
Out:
4 h 30 min 21 s
